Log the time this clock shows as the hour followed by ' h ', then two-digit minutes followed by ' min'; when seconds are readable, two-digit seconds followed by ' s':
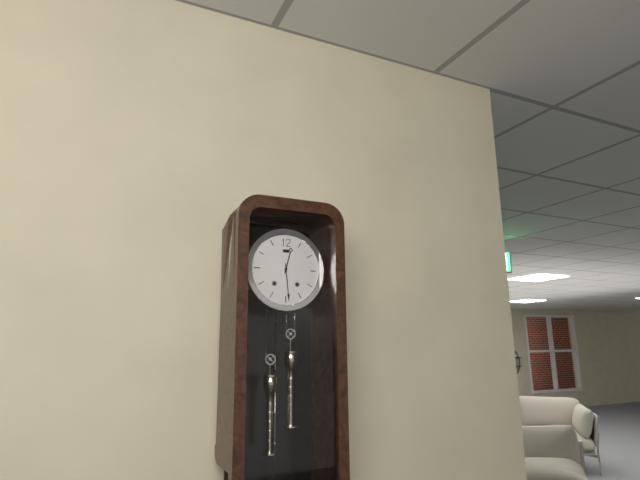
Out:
12 h 29 min
